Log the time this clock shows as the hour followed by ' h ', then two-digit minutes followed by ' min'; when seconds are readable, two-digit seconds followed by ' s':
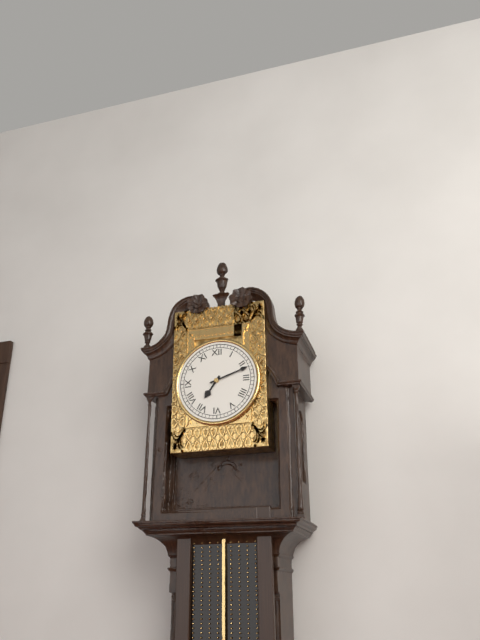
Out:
7 h 12 min
